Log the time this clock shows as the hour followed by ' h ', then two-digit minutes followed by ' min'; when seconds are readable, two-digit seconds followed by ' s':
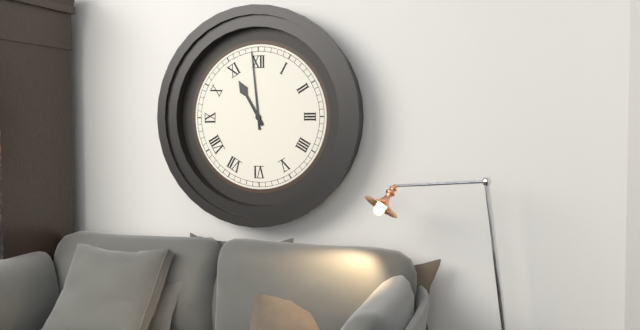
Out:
10 h 59 min
